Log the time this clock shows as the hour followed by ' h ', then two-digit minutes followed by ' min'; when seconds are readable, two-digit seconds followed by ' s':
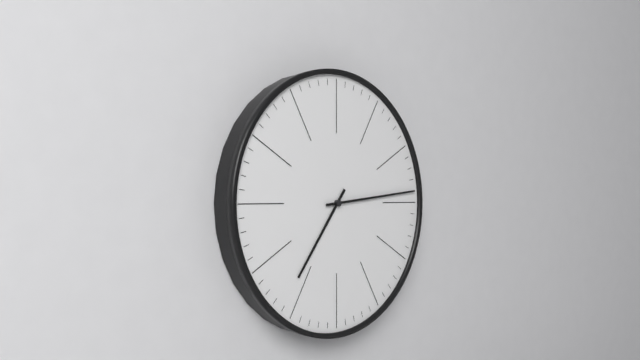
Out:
7 h 14 min
